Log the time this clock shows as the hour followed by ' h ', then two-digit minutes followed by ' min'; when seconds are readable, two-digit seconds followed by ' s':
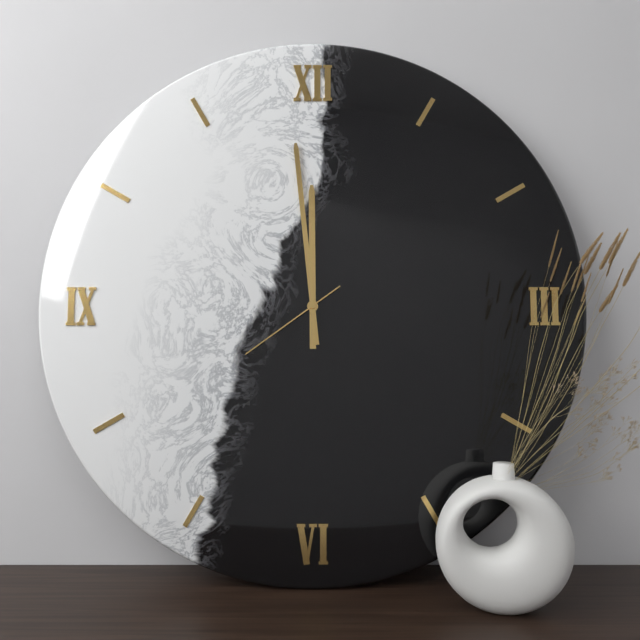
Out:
11 h 59 min 39 s
